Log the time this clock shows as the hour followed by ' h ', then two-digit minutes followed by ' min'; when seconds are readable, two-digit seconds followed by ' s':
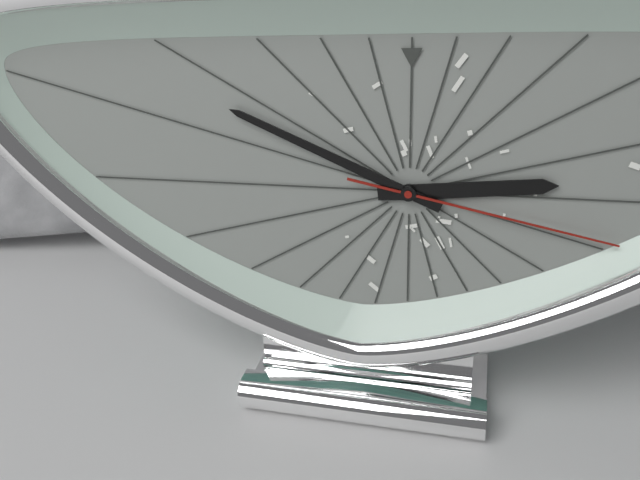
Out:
2 h 49 min 17 s
